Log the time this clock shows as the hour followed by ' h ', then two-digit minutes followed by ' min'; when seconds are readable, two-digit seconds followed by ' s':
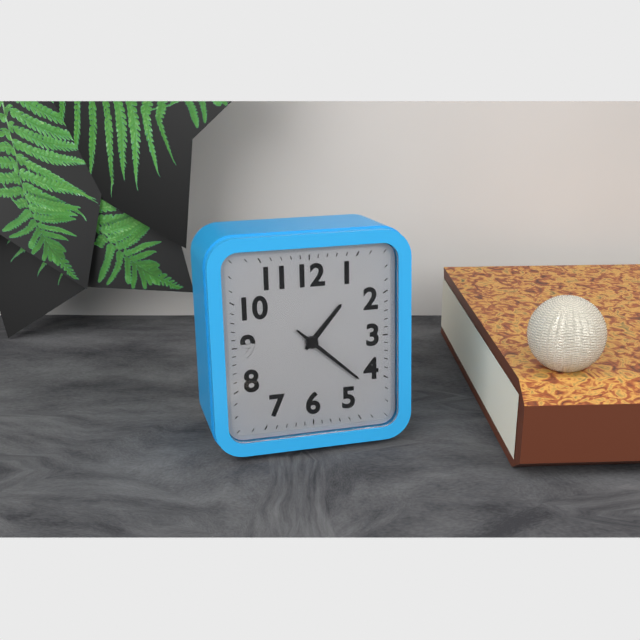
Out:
1 h 22 min
